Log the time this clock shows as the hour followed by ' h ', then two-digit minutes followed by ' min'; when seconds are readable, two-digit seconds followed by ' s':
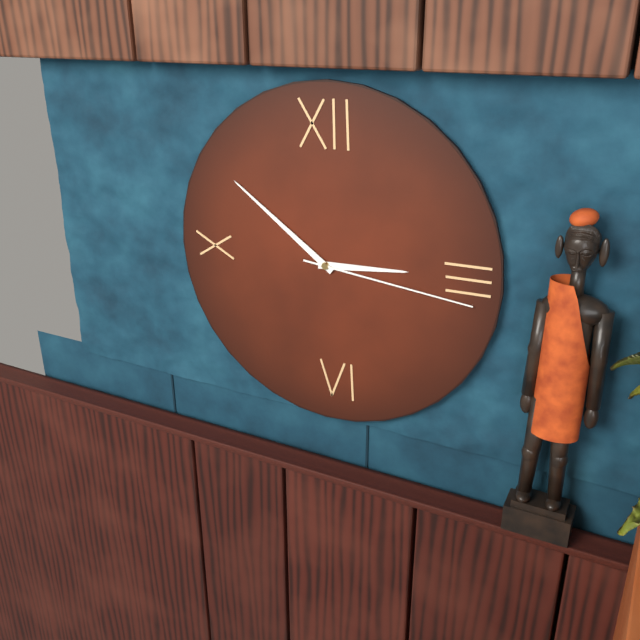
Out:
2 h 51 min 16 s
